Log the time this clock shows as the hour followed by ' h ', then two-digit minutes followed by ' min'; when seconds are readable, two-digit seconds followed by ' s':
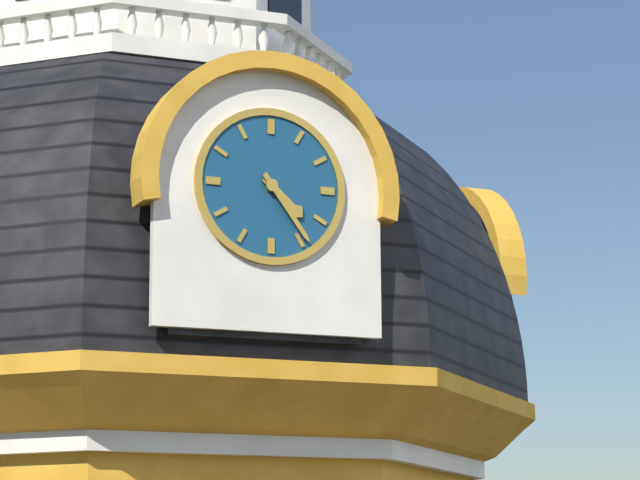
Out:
4 h 24 min
